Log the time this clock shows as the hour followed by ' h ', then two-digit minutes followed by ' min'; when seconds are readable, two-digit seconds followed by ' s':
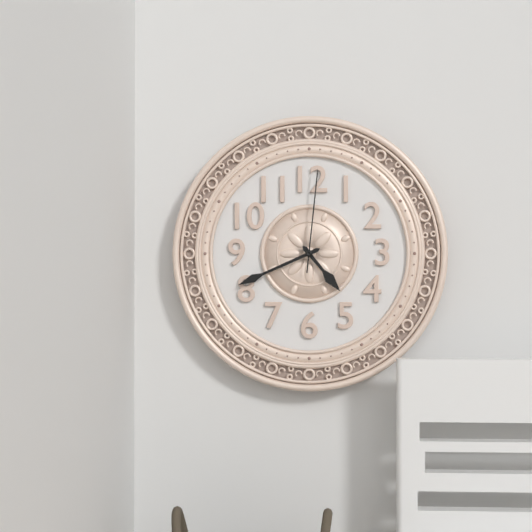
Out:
4 h 41 min 01 s
